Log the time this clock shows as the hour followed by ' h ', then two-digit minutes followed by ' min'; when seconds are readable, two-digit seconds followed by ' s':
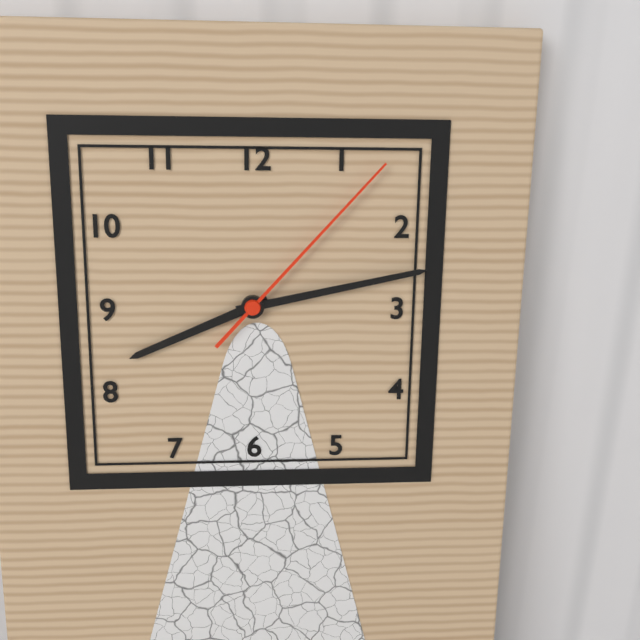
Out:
8 h 13 min 07 s
